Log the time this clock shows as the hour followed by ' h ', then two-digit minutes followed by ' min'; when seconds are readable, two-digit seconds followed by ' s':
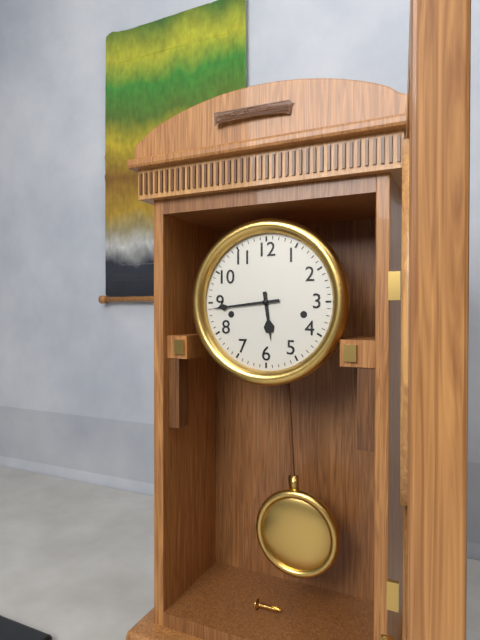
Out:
5 h 44 min
